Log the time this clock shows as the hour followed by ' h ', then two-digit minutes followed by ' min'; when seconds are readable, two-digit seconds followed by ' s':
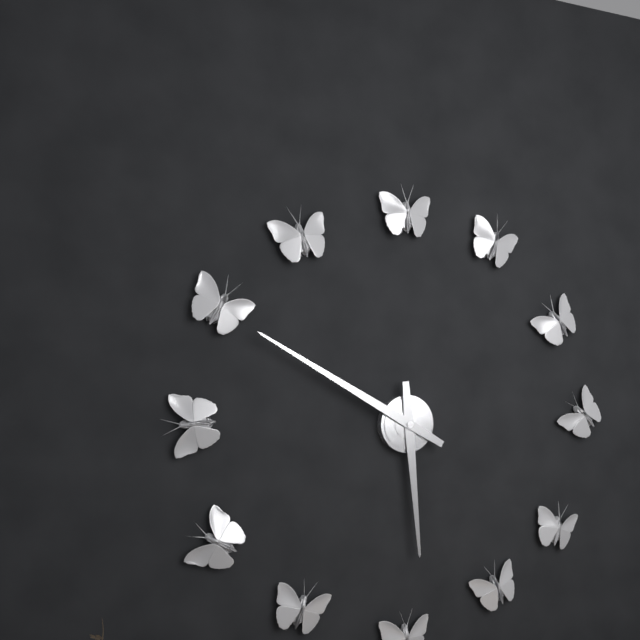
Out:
5 h 50 min
